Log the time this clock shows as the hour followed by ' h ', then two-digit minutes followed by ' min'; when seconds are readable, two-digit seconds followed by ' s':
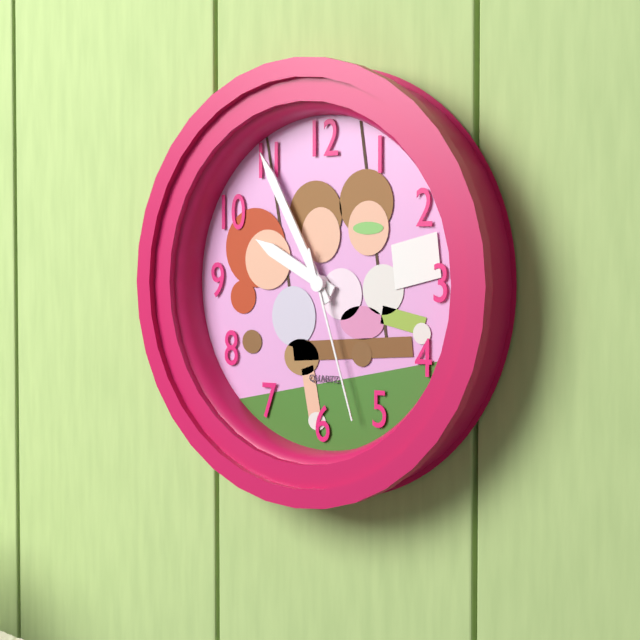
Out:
9 h 55 min 27 s
